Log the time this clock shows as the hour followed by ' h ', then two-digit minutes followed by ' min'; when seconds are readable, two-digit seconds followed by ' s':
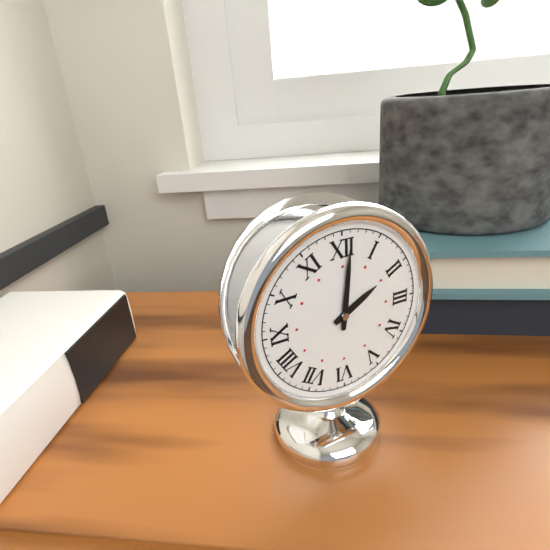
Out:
2 h 01 min
